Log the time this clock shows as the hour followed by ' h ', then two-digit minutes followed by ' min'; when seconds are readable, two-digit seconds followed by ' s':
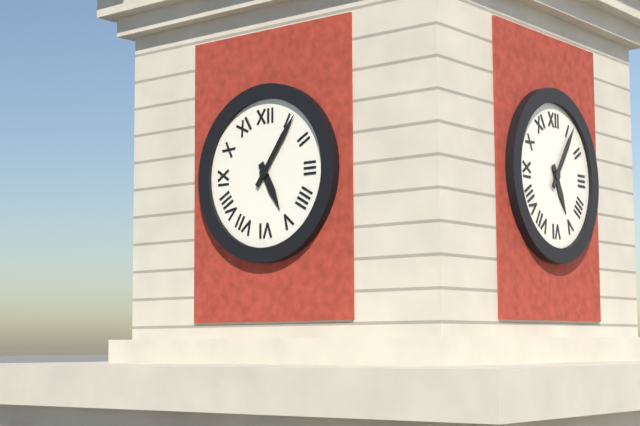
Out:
5 h 06 min
